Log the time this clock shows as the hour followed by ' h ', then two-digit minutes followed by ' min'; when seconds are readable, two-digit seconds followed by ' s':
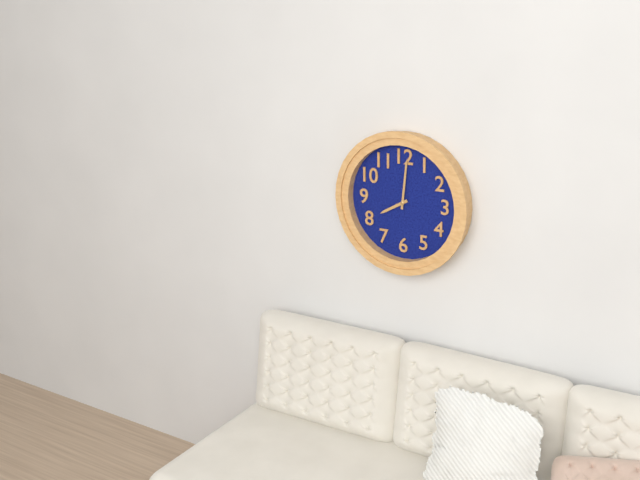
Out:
8 h 01 min
